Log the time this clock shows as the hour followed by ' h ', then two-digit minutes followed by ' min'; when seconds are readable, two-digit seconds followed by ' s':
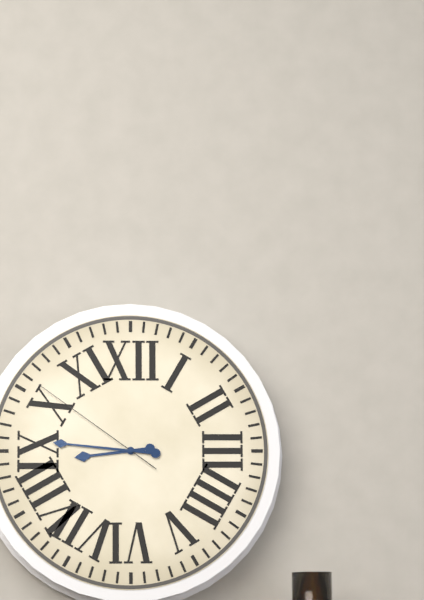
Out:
8 h 46 min 51 s
